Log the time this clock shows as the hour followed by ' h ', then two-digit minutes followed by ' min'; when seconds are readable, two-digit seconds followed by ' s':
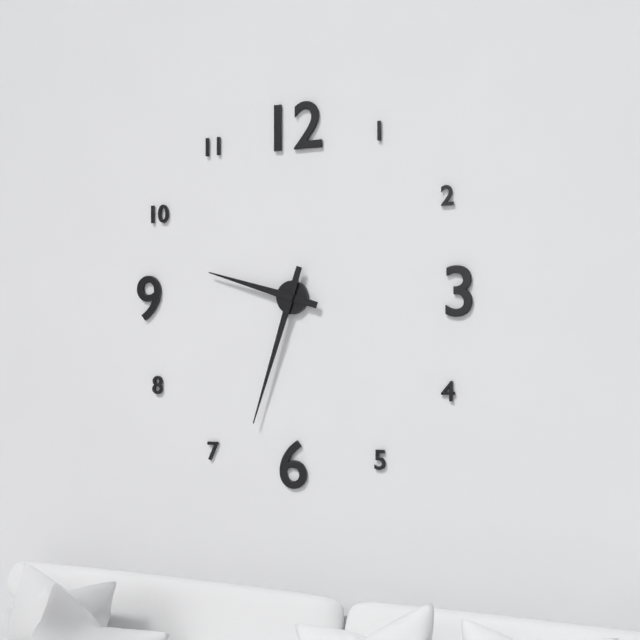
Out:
9 h 33 min
